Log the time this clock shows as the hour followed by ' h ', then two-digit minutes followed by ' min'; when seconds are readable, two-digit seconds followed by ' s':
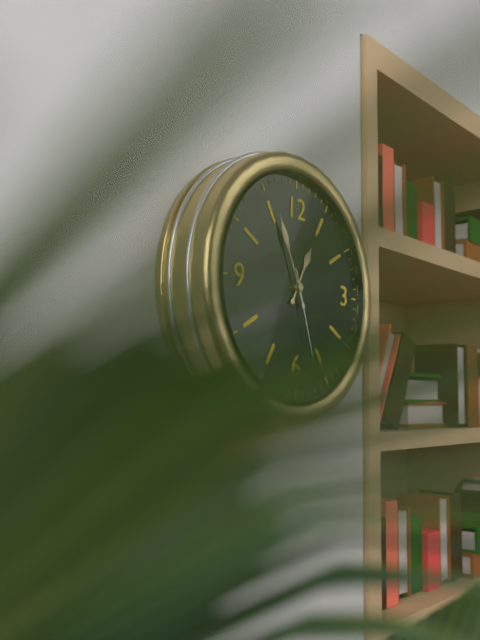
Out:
12 h 56 min 27 s
